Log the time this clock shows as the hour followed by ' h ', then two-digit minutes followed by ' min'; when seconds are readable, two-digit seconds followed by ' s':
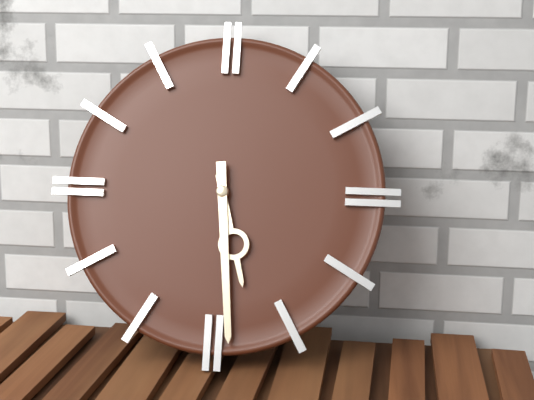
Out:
5 h 29 min
